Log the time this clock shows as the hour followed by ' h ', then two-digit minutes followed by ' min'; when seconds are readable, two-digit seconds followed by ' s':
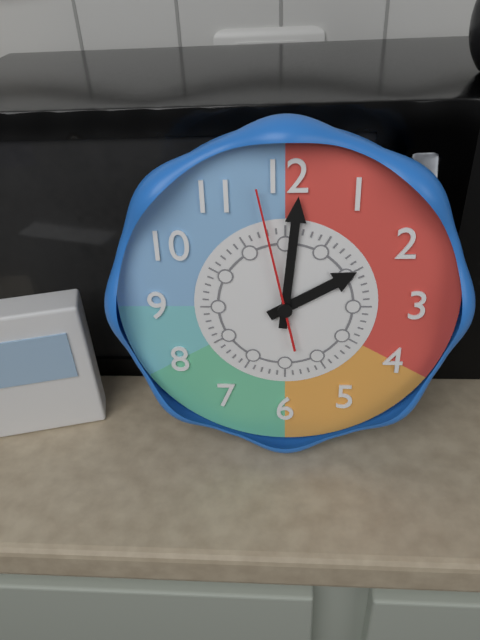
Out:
2 h 01 min 58 s
